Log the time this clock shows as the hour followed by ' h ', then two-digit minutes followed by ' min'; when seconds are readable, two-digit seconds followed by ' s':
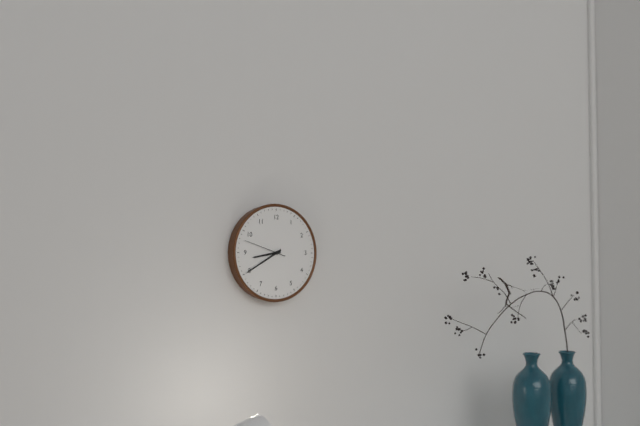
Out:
8 h 40 min
